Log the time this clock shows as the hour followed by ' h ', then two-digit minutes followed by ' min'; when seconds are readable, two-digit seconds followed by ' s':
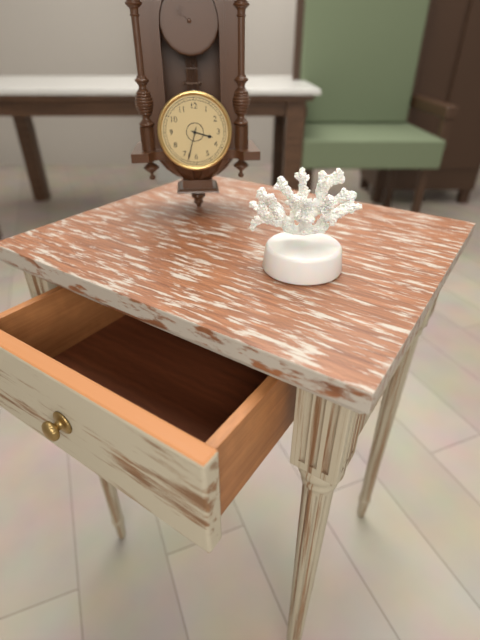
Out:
3 h 33 min
